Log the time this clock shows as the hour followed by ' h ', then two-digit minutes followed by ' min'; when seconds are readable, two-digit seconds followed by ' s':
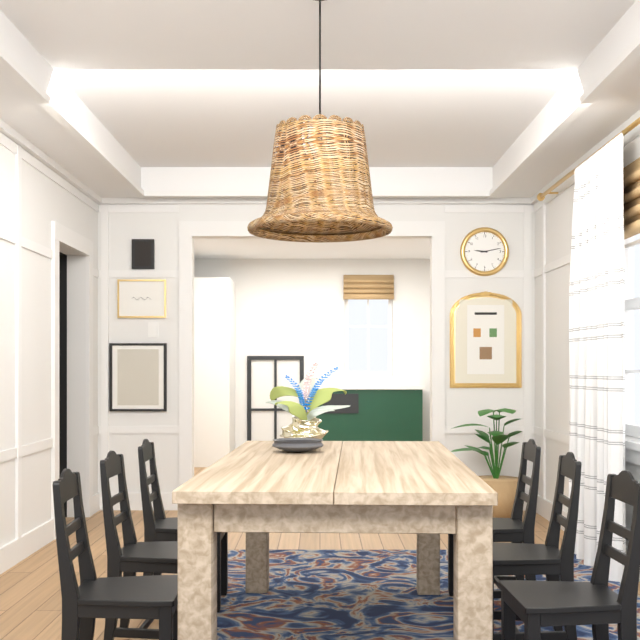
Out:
9 h 13 min
